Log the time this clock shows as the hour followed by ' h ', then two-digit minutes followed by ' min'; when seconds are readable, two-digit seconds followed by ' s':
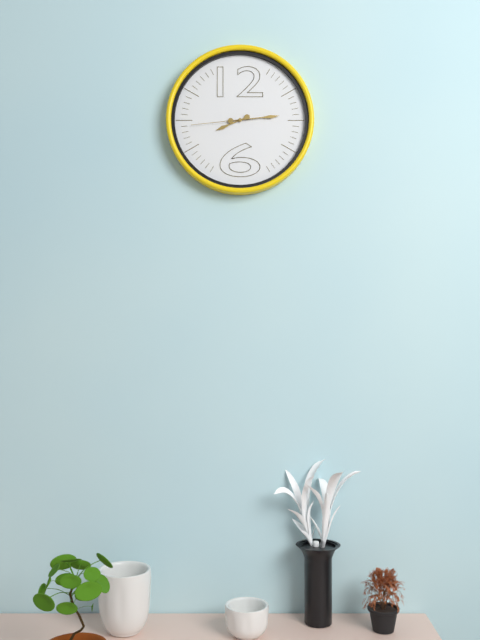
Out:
8 h 14 min 44 s
